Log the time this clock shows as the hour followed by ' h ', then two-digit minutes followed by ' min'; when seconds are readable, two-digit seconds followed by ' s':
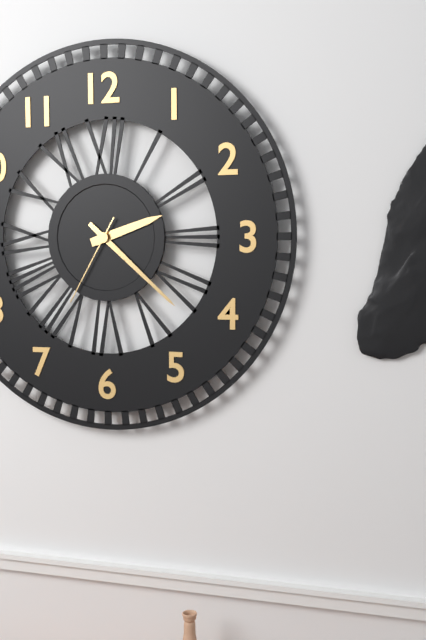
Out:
2 h 22 min 35 s
